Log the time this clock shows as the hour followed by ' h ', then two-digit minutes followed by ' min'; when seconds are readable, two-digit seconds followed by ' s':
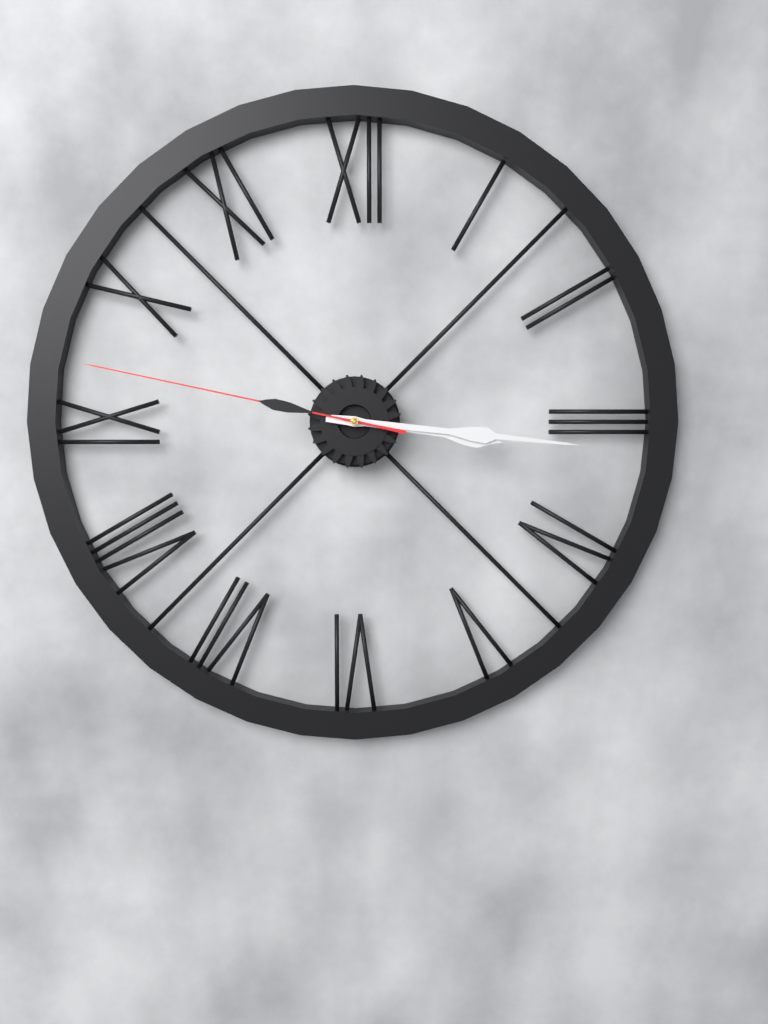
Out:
3 h 16 min 47 s
